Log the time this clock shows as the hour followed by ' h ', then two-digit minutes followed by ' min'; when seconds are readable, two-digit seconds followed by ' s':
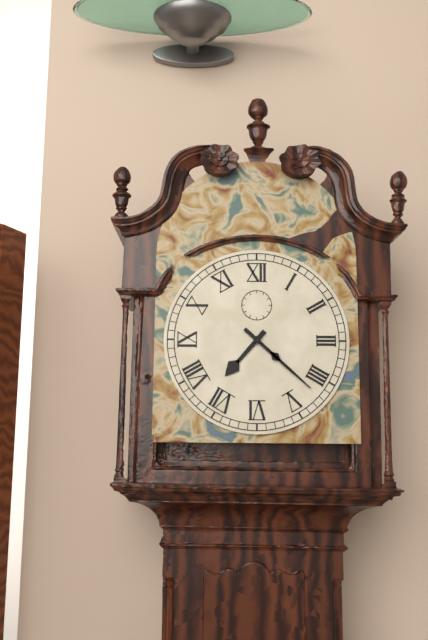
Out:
7 h 22 min
